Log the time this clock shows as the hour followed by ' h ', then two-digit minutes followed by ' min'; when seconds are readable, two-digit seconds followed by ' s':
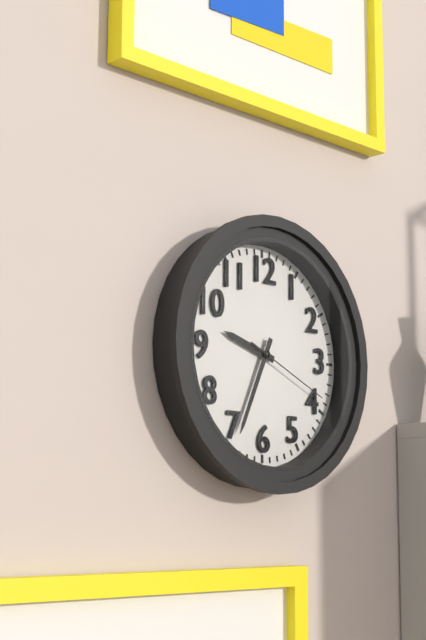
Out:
9 h 34 min 19 s
